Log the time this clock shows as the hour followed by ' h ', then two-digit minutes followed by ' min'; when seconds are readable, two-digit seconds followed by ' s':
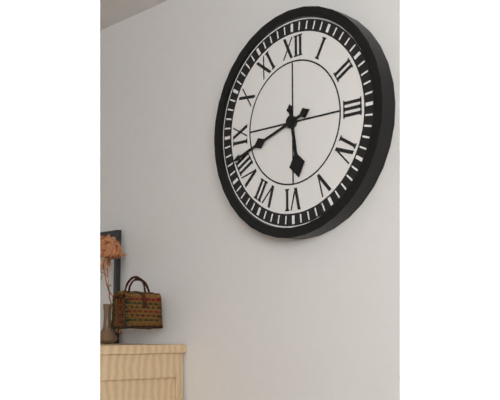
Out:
5 h 42 min
